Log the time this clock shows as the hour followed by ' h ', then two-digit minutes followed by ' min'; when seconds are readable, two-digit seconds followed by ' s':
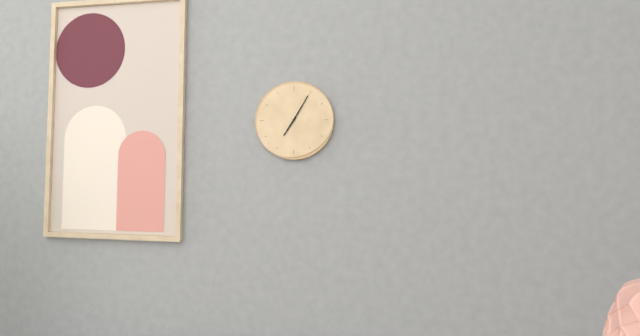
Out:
7 h 05 min
